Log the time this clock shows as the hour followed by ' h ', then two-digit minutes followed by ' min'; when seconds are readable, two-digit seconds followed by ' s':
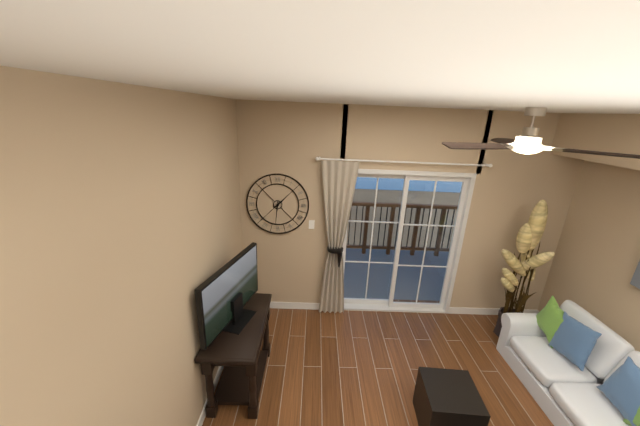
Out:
1 h 31 min
